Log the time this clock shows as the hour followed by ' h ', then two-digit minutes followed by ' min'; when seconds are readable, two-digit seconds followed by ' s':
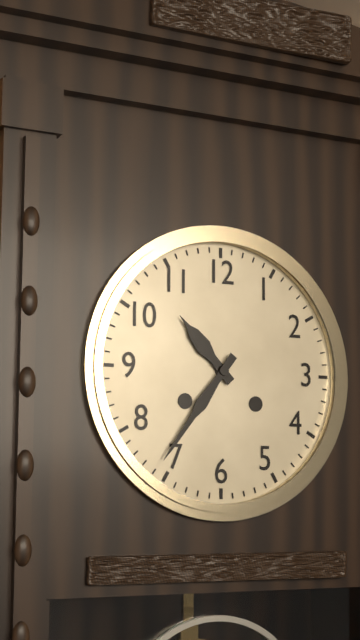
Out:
10 h 36 min
